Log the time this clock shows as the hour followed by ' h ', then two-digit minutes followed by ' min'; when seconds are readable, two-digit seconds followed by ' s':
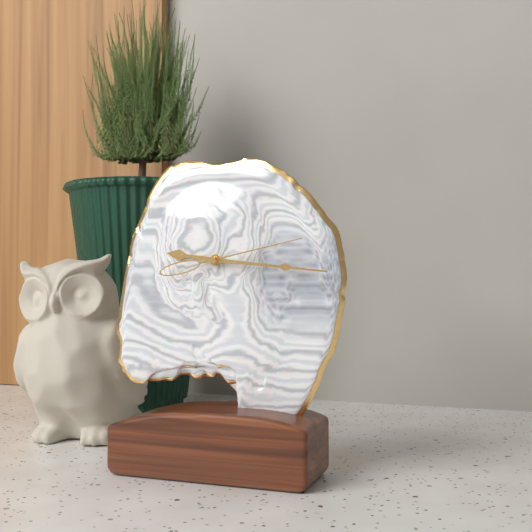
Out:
9 h 16 min 13 s
